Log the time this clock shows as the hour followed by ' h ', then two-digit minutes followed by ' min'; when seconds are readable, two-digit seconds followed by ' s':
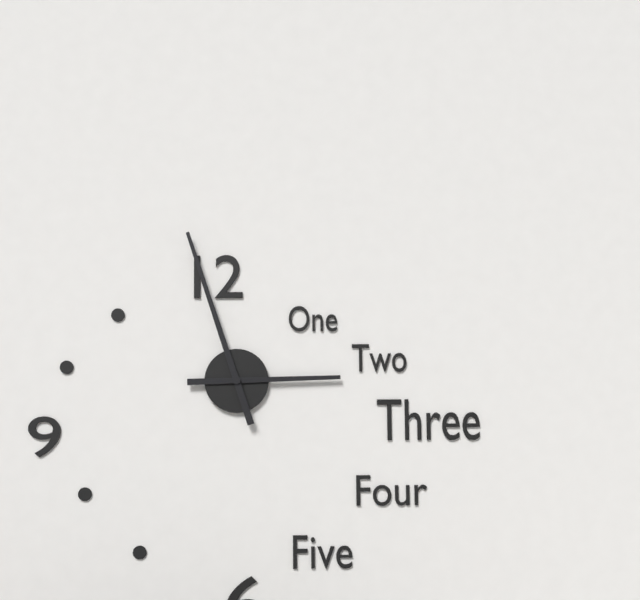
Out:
2 h 57 min
